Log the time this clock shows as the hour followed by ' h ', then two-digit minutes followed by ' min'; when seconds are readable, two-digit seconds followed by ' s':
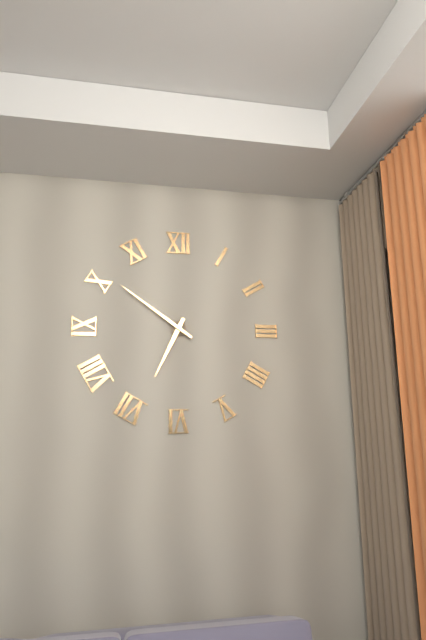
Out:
6 h 51 min
